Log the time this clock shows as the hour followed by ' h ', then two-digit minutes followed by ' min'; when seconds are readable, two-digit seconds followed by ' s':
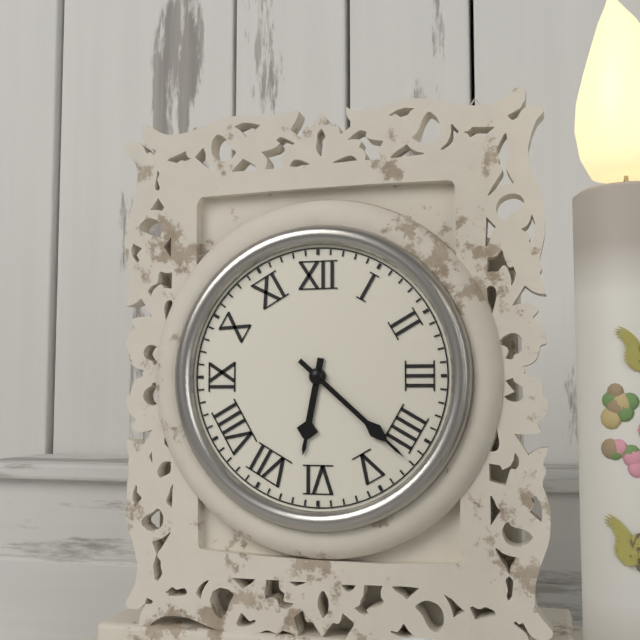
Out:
6 h 22 min
